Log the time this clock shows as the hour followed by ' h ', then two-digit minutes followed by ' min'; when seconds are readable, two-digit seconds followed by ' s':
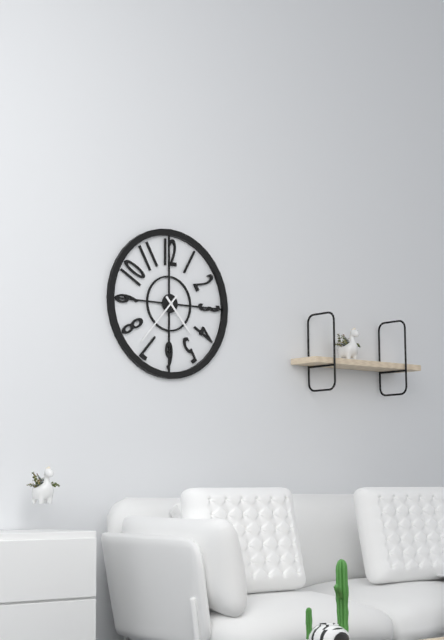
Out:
4 h 37 min
